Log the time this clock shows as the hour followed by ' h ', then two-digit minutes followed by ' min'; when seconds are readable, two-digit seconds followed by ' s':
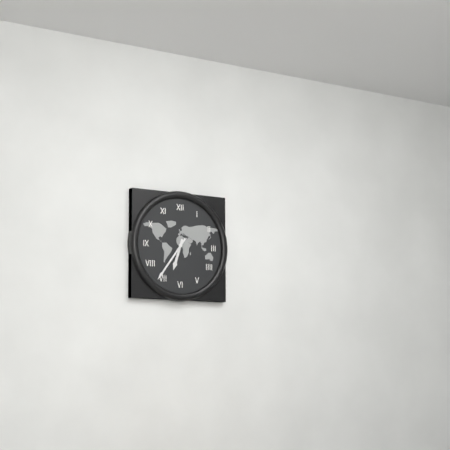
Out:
6 h 36 min
